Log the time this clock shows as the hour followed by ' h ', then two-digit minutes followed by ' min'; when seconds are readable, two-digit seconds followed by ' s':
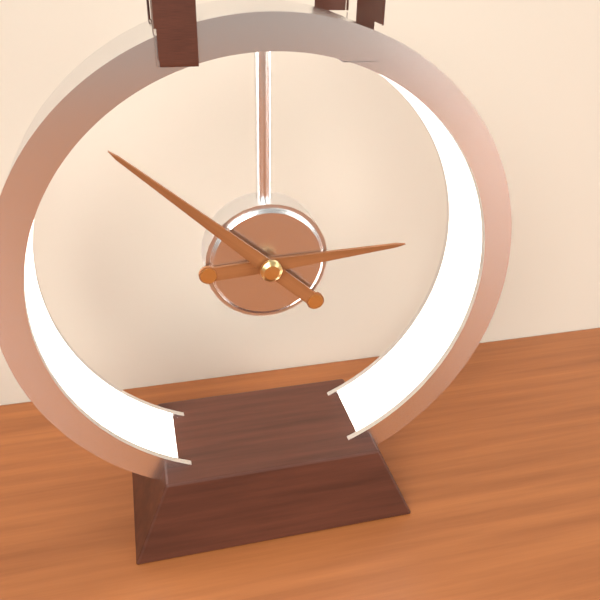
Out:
2 h 52 min
